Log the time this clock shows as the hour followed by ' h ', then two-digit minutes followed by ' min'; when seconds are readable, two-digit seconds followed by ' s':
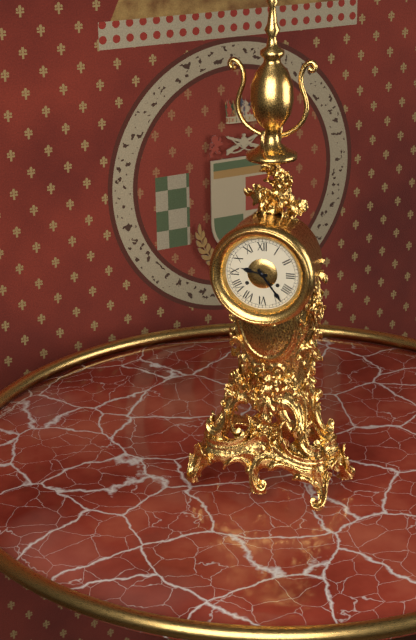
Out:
9 h 24 min
